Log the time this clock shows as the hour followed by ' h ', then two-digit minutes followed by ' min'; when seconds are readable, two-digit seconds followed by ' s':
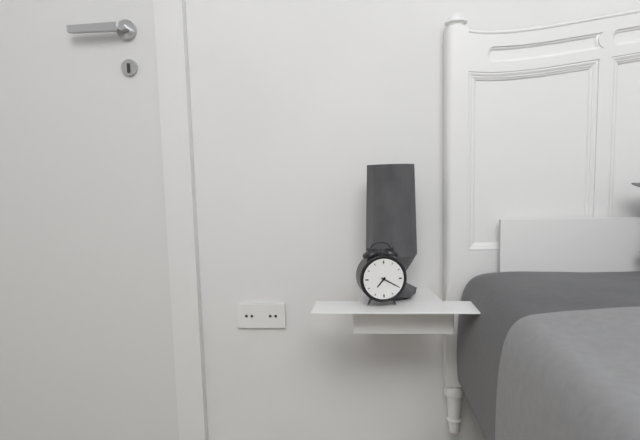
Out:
7 h 20 min
